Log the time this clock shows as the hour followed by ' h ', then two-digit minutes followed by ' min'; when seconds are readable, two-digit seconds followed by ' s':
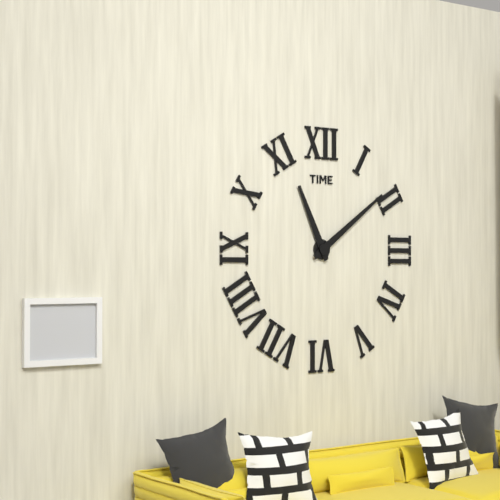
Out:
11 h 09 min
